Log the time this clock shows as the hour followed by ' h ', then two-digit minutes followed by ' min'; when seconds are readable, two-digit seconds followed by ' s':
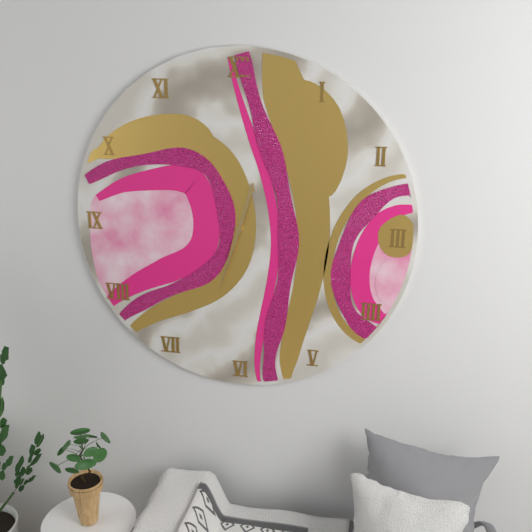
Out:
12 h 33 min
